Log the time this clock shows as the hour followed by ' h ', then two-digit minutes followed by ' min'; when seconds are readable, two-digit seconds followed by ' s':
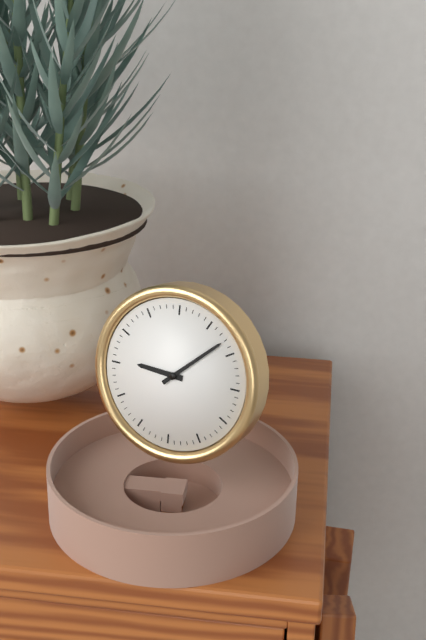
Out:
9 h 08 min
